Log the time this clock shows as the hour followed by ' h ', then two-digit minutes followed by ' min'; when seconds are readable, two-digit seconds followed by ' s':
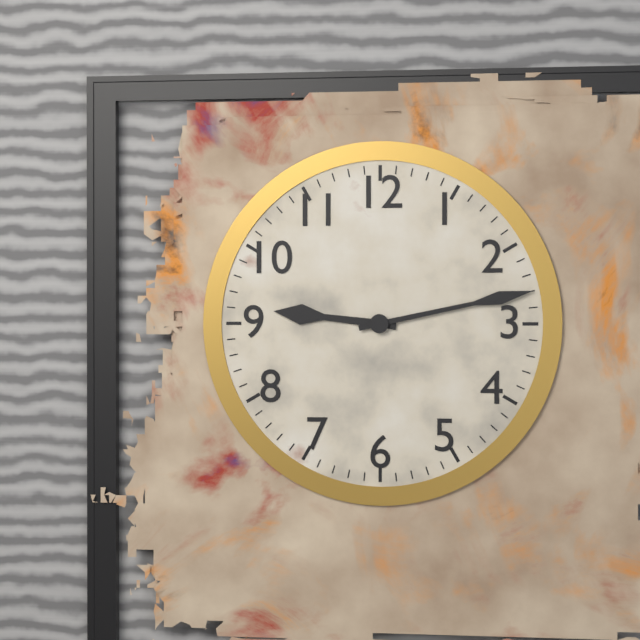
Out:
9 h 13 min
